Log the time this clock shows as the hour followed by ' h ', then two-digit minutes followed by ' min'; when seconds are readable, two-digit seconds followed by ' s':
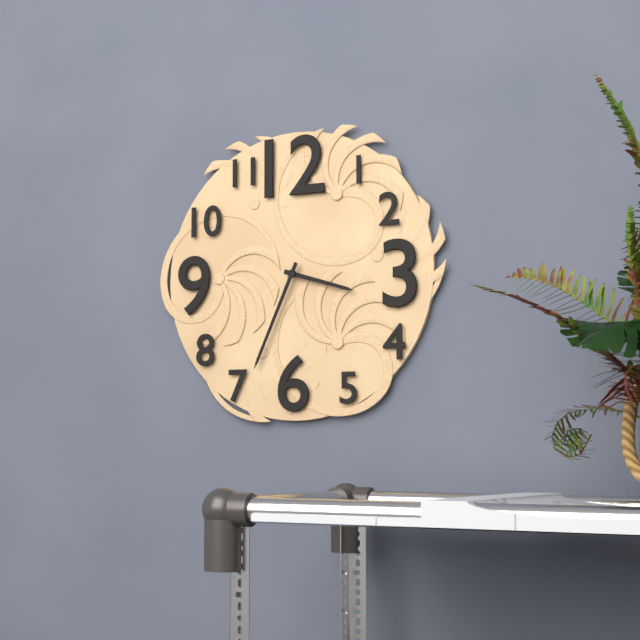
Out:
3 h 34 min
